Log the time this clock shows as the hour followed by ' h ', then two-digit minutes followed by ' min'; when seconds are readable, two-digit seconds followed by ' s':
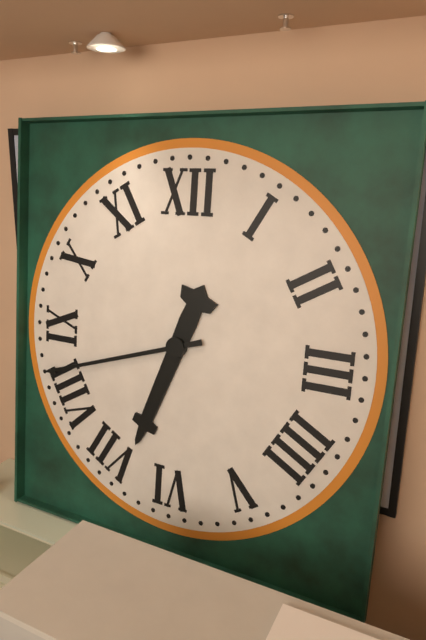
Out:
6 h 42 min
